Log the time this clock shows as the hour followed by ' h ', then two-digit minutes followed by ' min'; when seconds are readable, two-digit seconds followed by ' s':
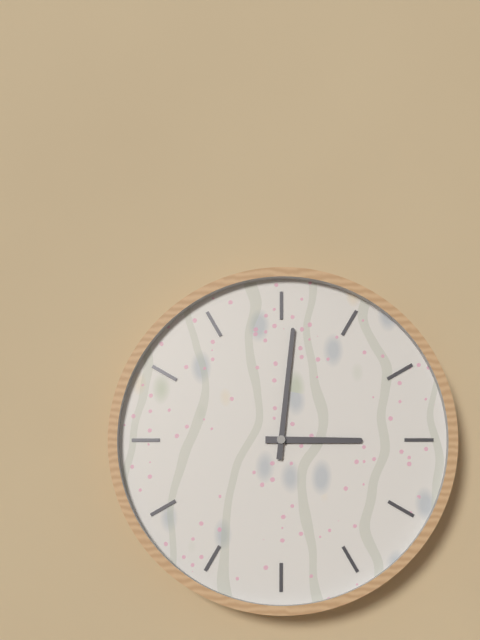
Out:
3 h 01 min
